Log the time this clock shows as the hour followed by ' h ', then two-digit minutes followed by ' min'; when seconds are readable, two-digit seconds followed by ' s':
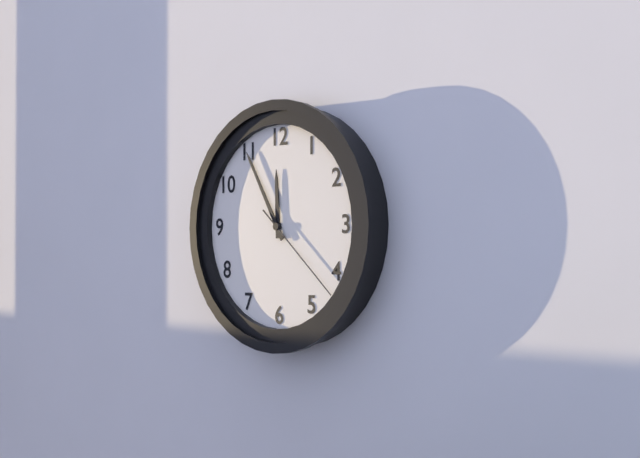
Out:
11 h 55 min 22 s
